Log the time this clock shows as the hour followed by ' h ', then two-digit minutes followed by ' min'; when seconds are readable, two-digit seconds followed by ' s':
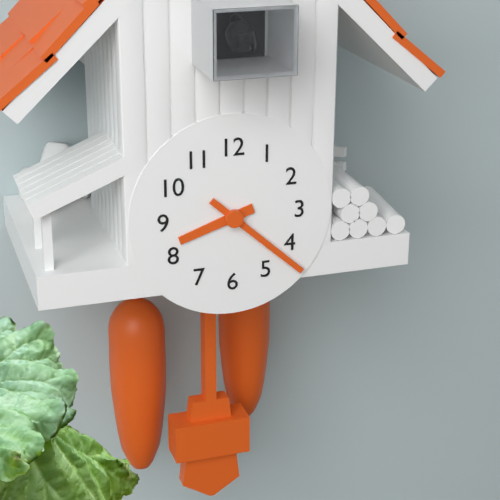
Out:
8 h 22 min
